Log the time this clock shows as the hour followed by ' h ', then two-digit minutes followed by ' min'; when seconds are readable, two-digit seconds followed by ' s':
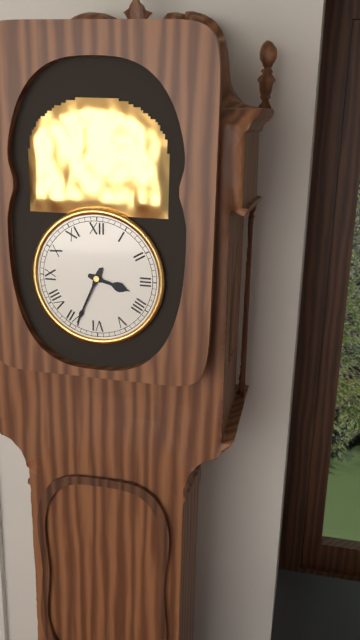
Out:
3 h 34 min
